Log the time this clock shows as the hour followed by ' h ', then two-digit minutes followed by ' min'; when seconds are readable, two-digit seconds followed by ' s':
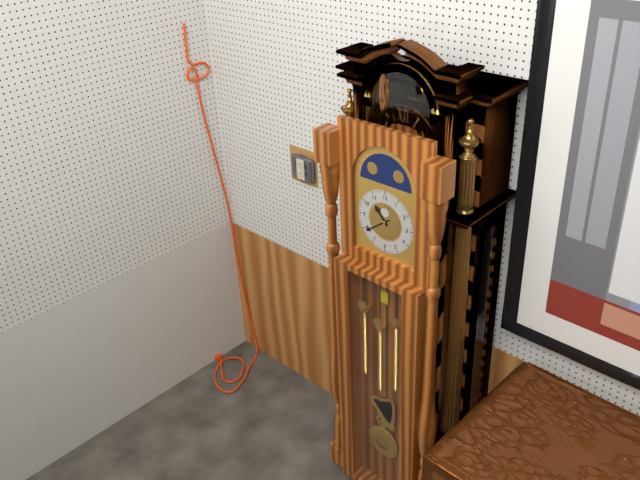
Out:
10 h 39 min
